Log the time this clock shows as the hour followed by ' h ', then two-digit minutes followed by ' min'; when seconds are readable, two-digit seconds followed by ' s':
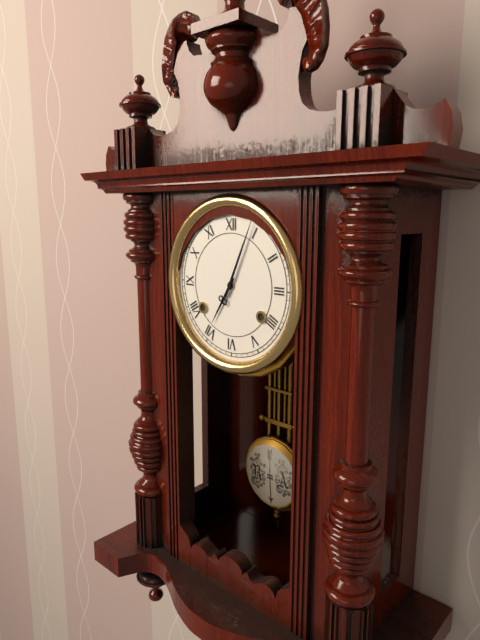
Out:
7 h 04 min
